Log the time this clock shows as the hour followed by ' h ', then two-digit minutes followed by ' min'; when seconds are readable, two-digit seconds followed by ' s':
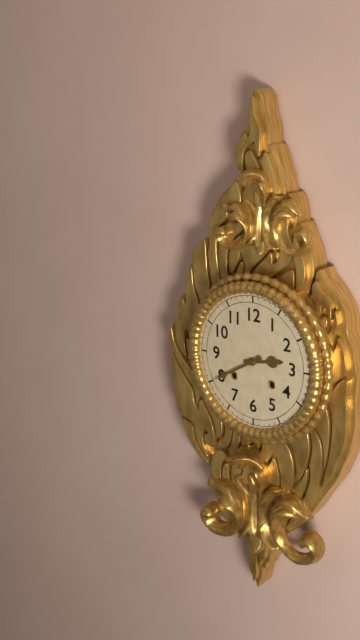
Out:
2 h 40 min
